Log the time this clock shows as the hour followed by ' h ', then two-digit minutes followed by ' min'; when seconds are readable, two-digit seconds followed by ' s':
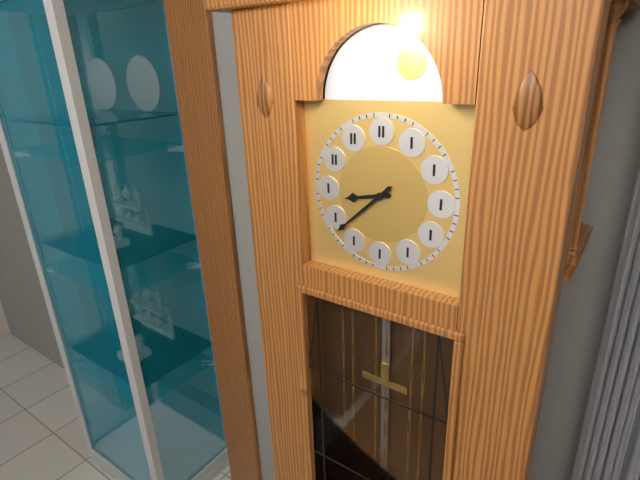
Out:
8 h 38 min
